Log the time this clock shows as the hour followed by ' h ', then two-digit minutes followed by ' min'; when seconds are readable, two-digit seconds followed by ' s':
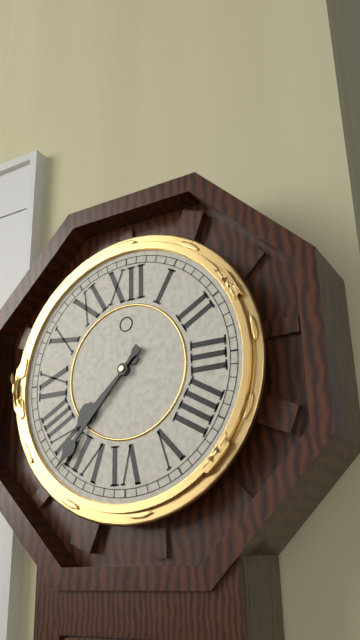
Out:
7 h 37 min
